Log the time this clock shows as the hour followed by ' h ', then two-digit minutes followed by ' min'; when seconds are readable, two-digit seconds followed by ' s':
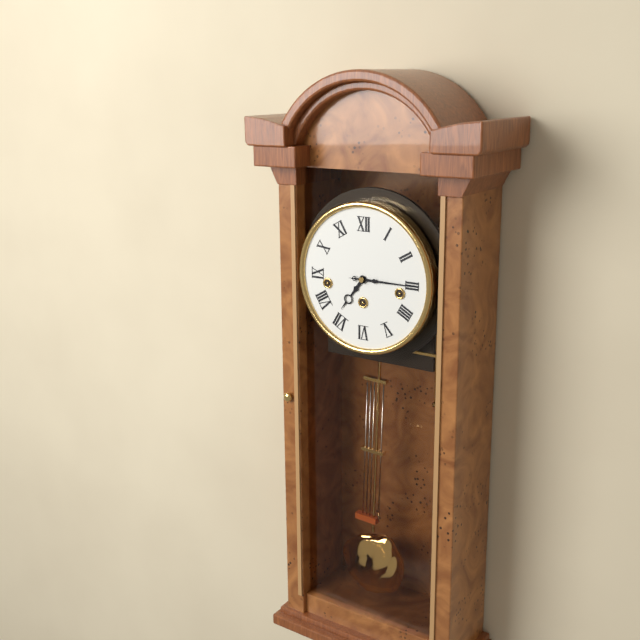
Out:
7 h 15 min
